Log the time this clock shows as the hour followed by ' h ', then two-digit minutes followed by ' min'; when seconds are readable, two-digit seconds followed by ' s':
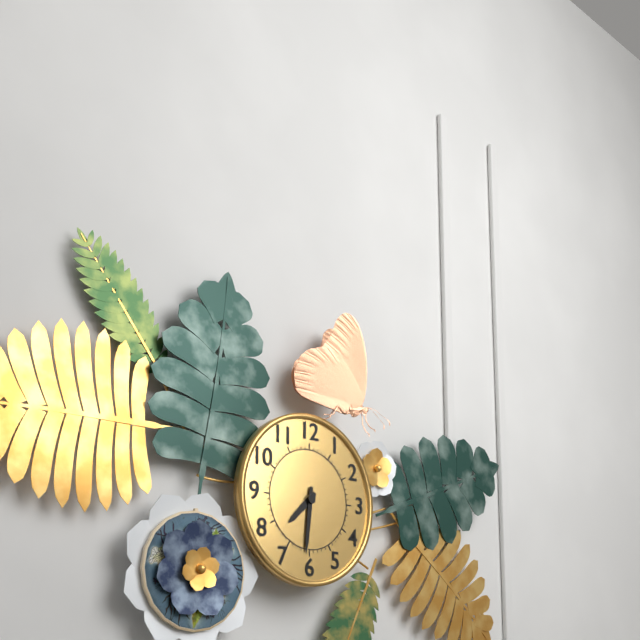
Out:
7 h 31 min
